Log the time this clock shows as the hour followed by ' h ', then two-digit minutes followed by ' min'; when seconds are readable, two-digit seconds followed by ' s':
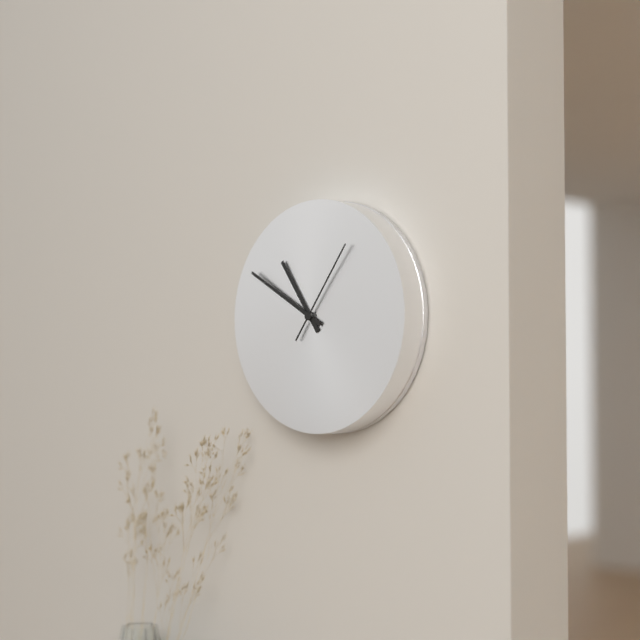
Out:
10 h 50 min 06 s
